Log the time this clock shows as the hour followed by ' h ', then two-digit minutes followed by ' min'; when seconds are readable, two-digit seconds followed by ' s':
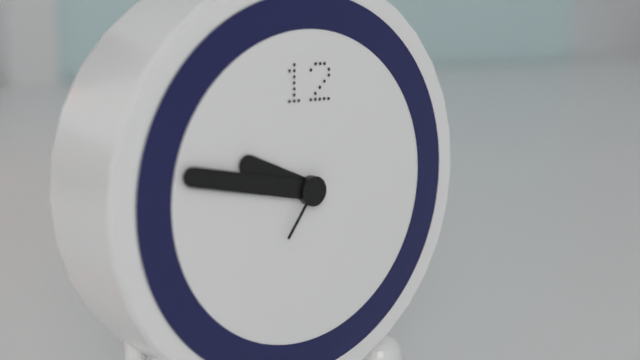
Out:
9 h 47 min 36 s
